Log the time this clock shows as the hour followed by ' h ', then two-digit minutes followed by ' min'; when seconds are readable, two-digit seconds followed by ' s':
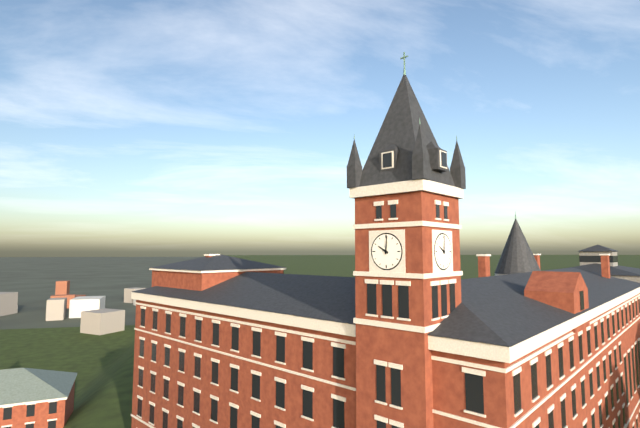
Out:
10 h 01 min
